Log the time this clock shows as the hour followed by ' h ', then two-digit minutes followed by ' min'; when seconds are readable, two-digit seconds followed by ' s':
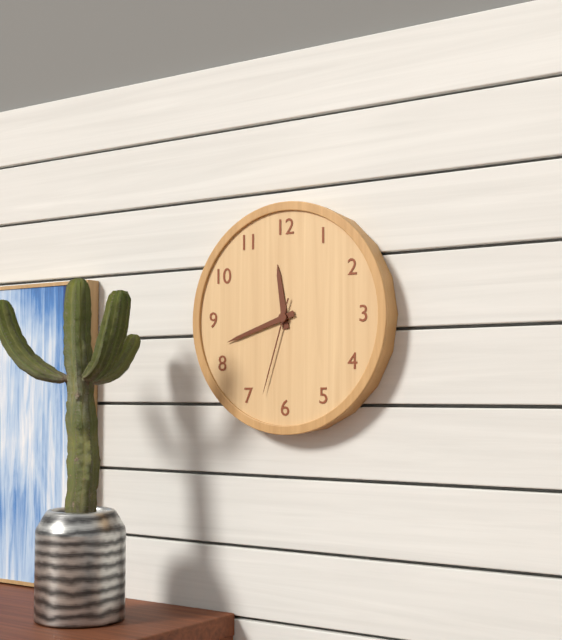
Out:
11 h 42 min 33 s
